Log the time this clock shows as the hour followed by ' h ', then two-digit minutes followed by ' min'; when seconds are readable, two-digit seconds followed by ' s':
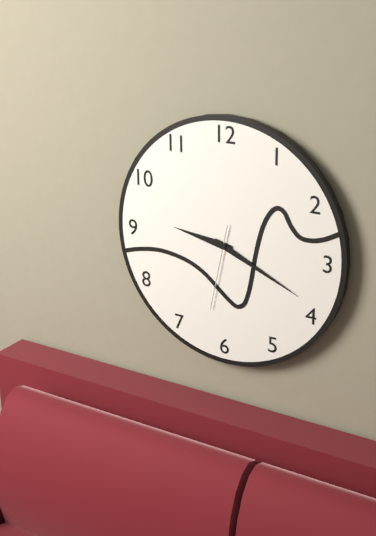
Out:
9 h 19 min 32 s
